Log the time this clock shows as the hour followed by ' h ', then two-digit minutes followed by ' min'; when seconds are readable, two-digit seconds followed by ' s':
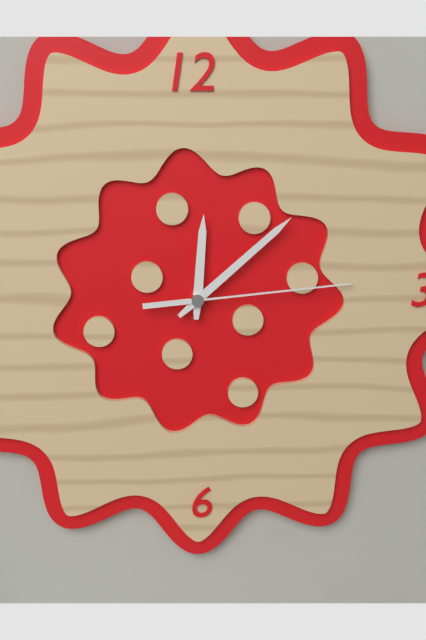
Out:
12 h 08 min 14 s
